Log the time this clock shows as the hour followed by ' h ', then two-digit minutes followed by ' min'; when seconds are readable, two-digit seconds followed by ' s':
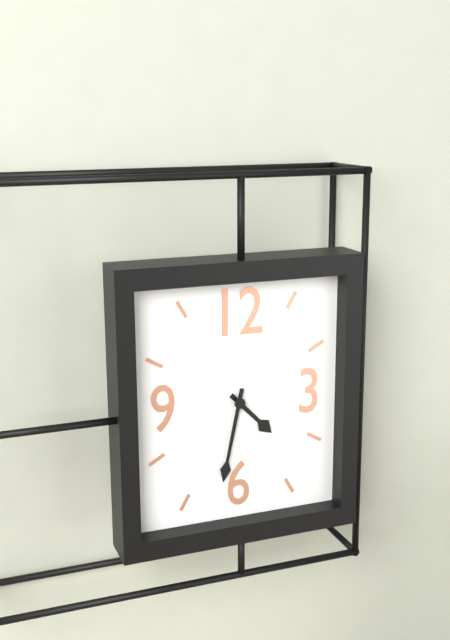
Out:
4 h 32 min
